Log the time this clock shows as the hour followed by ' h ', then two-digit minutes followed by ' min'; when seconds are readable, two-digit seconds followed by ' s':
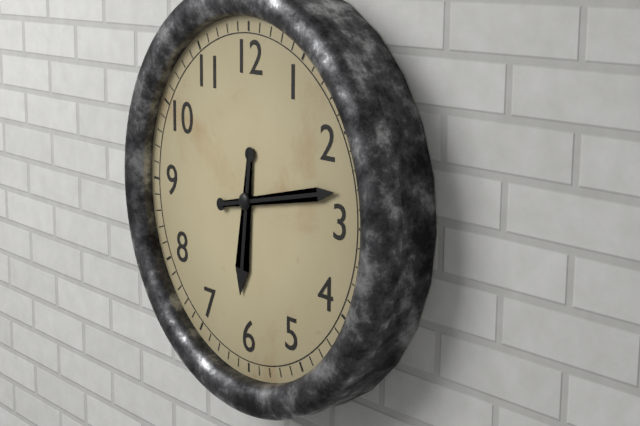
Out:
6 h 13 min
